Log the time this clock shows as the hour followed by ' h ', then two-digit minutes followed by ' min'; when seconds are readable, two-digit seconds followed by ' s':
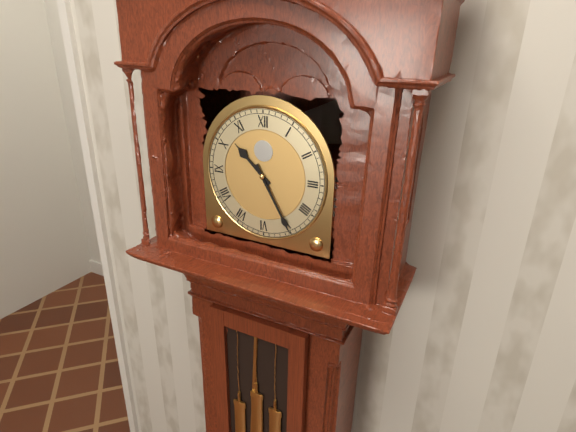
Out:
10 h 25 min
